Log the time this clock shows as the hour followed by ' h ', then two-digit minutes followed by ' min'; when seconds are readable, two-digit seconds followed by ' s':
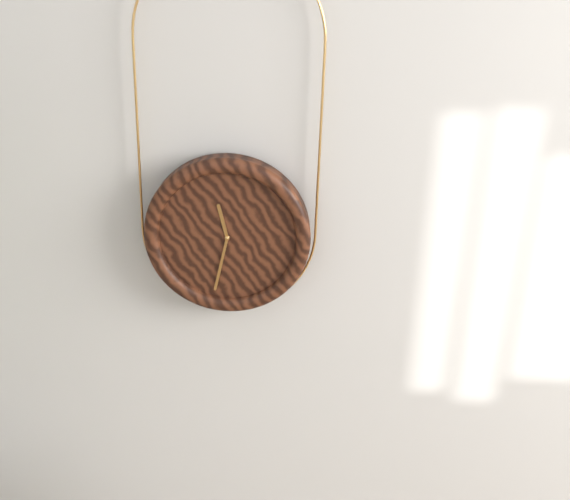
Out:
11 h 32 min
